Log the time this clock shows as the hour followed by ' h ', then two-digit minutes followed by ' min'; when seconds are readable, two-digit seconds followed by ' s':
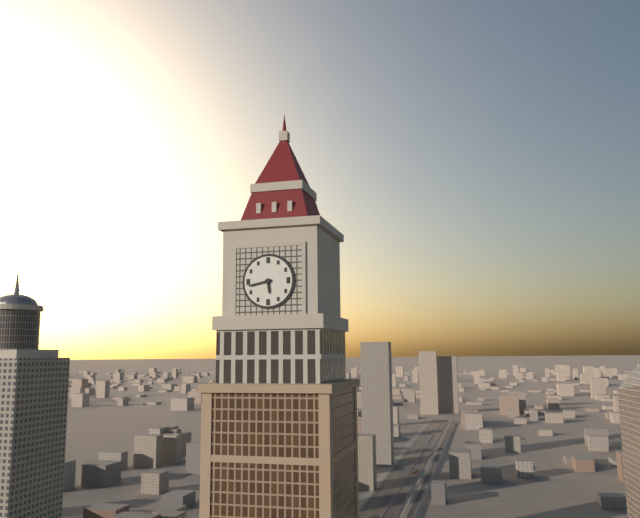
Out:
5 h 43 min
